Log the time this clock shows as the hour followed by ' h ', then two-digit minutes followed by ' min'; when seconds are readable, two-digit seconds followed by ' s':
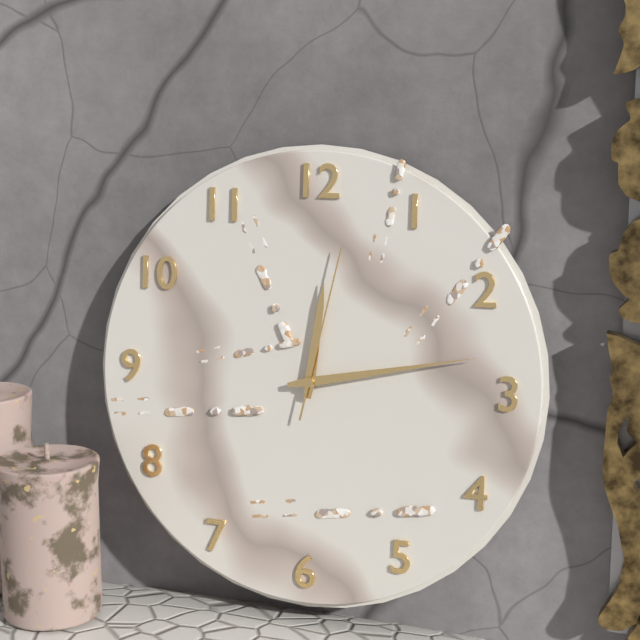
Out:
12 h 13 min 02 s
